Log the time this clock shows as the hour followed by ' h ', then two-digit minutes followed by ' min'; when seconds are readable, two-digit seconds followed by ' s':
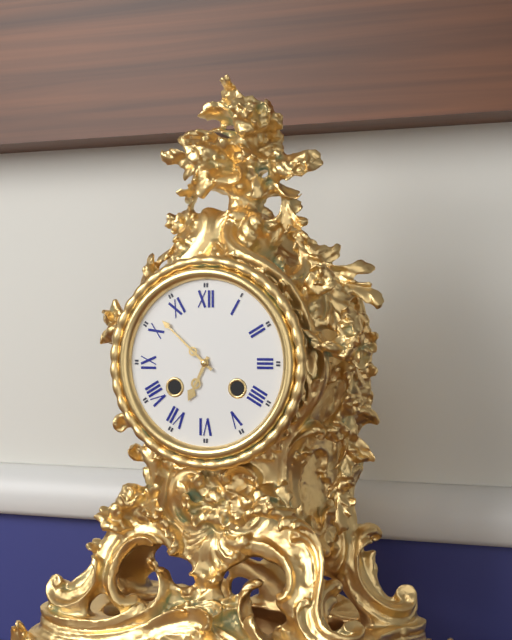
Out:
6 h 52 min
